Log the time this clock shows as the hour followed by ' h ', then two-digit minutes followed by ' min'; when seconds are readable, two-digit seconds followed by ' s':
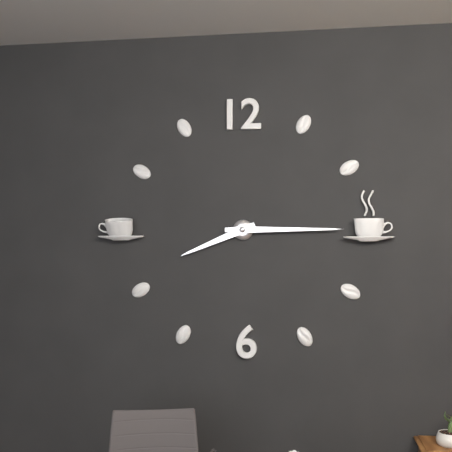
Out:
8 h 15 min
